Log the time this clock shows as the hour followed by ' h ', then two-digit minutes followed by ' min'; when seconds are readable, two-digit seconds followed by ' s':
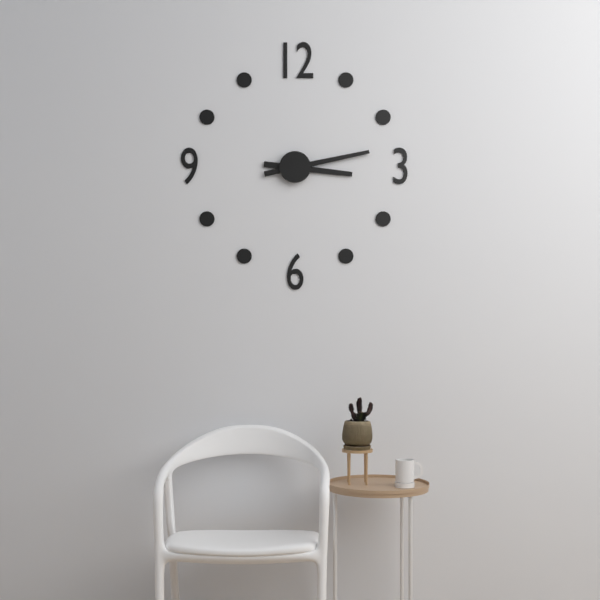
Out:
3 h 13 min
